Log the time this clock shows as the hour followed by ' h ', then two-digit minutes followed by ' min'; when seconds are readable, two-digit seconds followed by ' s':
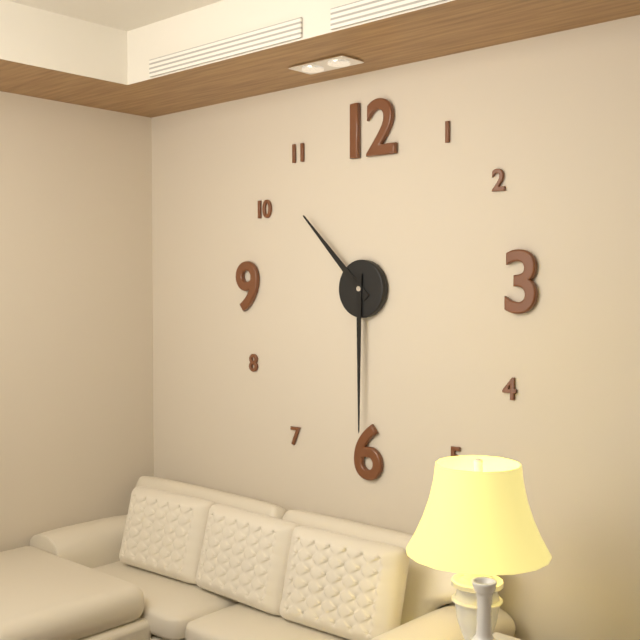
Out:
10 h 30 min
